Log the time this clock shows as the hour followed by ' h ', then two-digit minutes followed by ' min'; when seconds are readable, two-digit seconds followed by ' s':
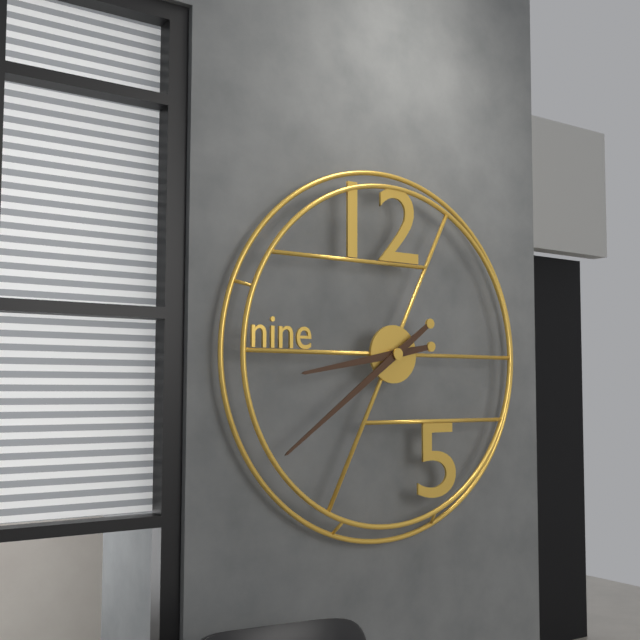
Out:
8 h 39 min
